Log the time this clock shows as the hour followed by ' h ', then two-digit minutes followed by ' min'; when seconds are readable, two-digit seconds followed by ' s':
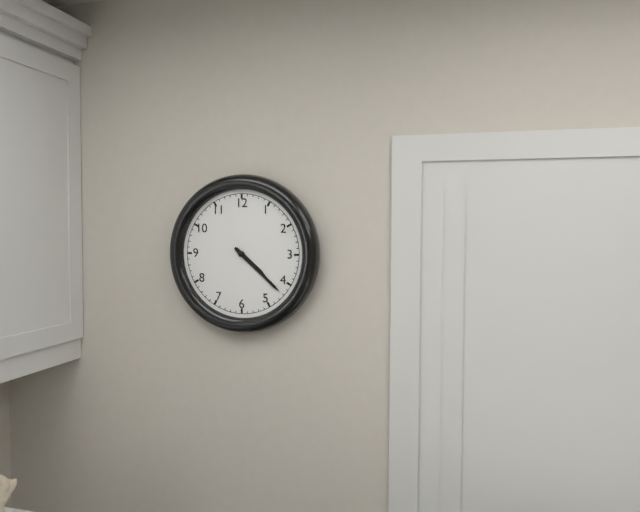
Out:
4 h 22 min
